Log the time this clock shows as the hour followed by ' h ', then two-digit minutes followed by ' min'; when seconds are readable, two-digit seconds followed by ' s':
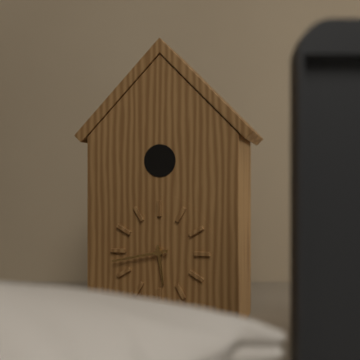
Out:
5 h 43 min
